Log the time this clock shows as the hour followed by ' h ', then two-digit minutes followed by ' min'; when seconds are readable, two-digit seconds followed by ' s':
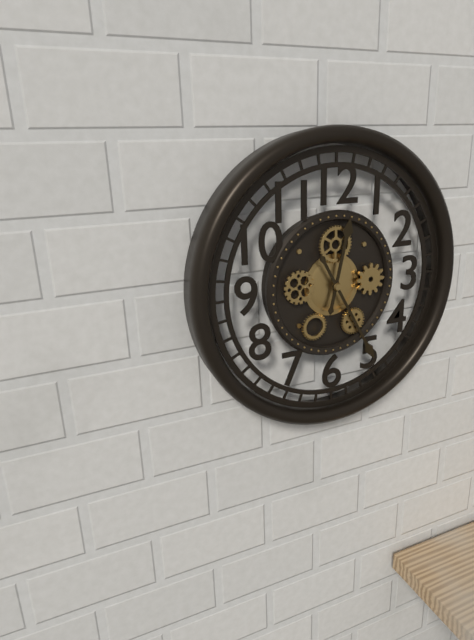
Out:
12 h 25 min
